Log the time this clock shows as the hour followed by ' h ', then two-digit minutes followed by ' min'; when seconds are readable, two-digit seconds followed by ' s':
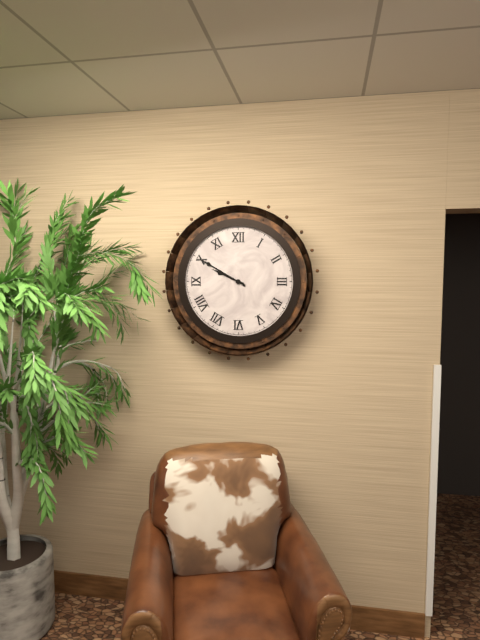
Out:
9 h 50 min
